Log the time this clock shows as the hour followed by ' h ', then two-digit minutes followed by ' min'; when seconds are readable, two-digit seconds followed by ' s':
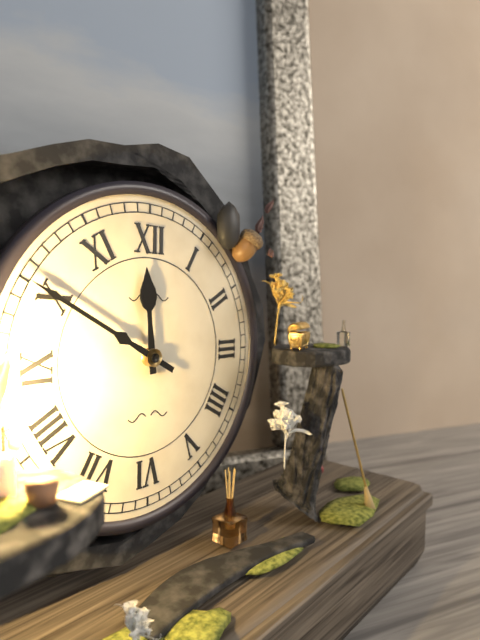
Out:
11 h 50 min
